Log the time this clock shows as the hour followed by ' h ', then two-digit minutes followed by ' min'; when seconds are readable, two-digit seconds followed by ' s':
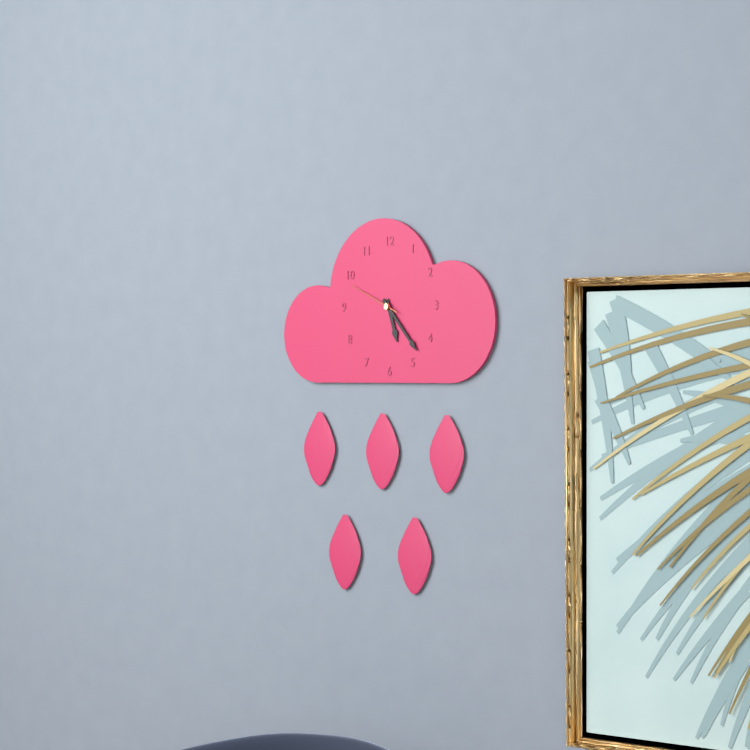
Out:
5 h 23 min 49 s
